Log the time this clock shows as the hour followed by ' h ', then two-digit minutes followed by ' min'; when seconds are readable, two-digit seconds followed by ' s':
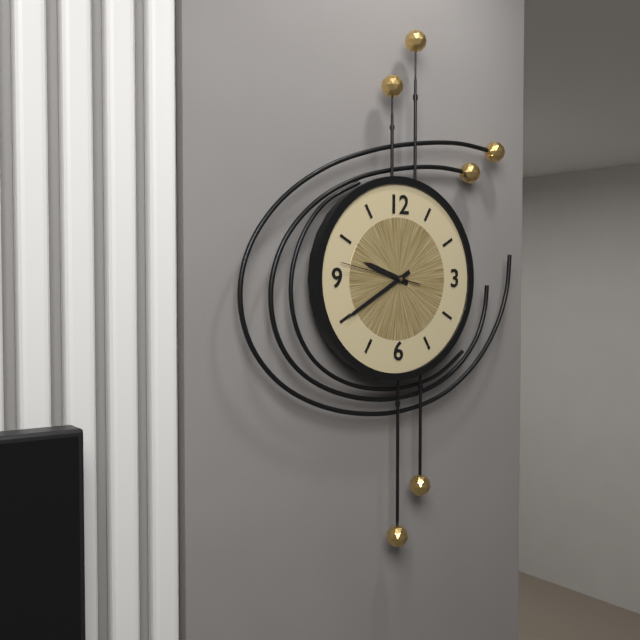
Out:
9 h 40 min 47 s
